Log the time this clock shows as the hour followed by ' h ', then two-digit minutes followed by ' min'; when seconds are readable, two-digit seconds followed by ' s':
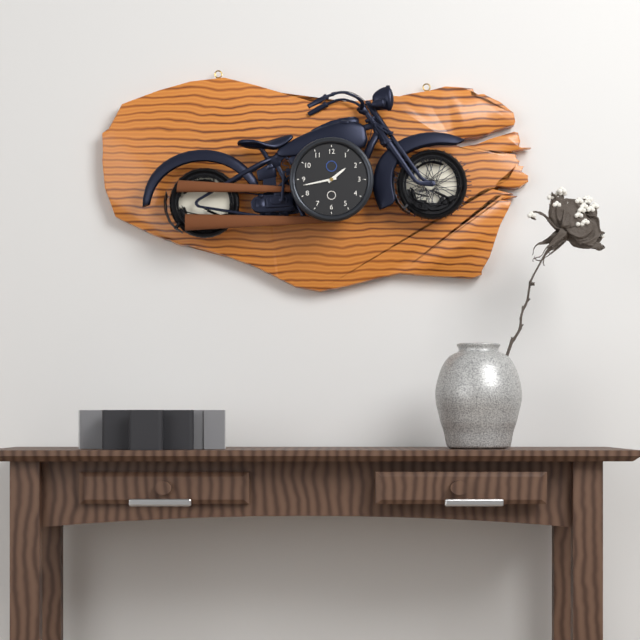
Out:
1 h 43 min
